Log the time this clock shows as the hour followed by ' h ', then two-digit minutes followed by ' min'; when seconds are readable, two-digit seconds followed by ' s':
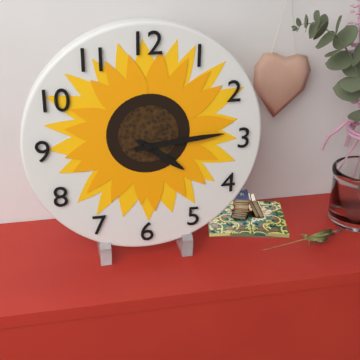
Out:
4 h 14 min
